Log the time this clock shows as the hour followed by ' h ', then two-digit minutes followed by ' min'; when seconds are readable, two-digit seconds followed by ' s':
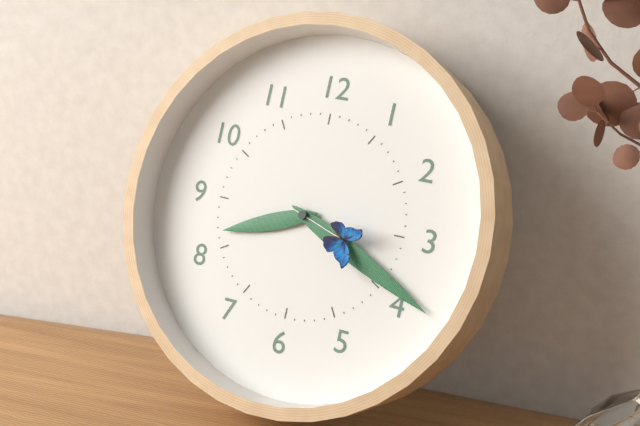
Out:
8 h 19 min 18 s
